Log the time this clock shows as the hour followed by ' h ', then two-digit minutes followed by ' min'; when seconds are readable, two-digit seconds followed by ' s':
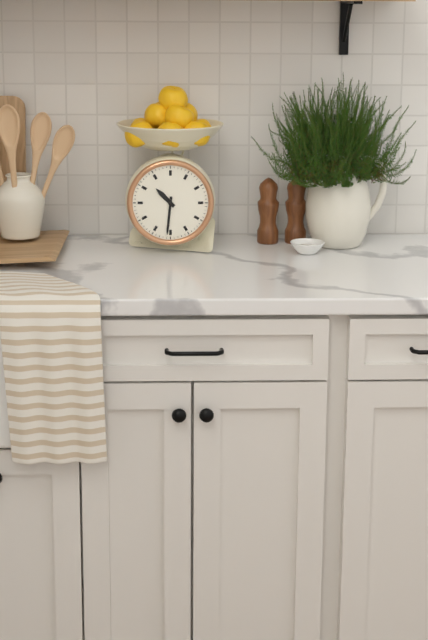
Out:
10 h 31 min
